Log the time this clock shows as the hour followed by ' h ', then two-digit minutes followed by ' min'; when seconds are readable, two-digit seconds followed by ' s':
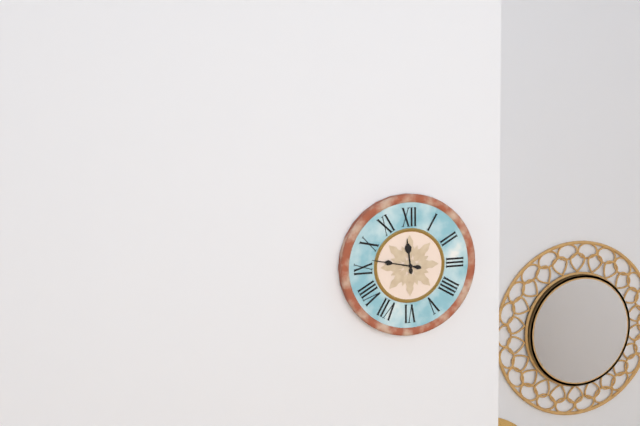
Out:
11 h 47 min
